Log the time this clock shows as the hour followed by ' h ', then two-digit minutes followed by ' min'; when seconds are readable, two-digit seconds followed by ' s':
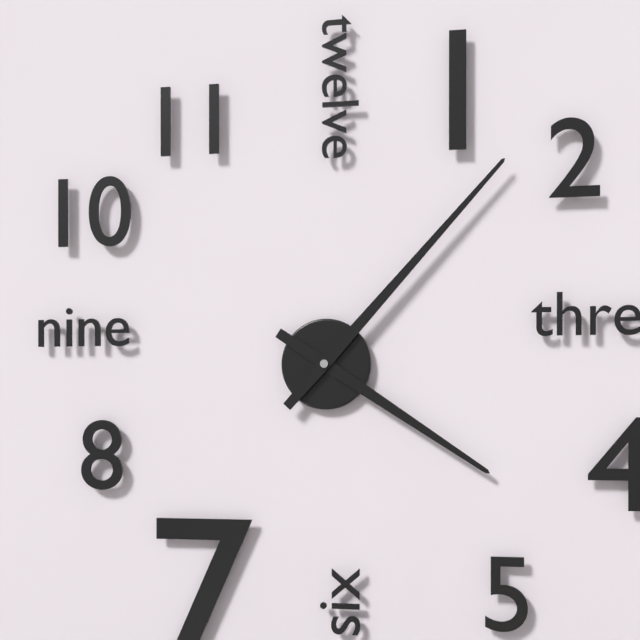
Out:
4 h 07 min
